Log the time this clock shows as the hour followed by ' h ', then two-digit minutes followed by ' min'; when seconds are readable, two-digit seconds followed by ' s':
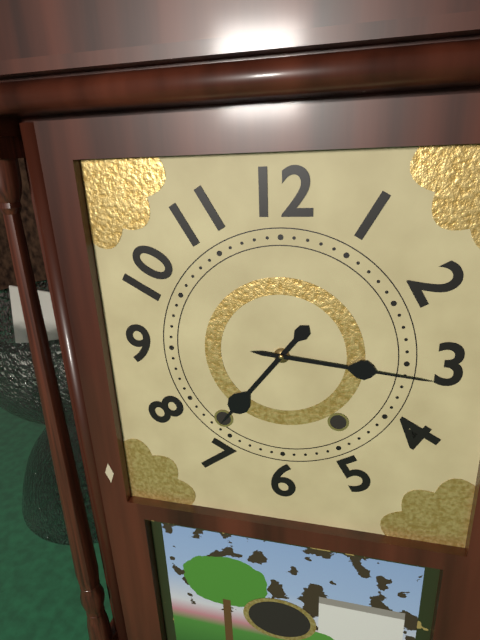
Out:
7 h 16 min
